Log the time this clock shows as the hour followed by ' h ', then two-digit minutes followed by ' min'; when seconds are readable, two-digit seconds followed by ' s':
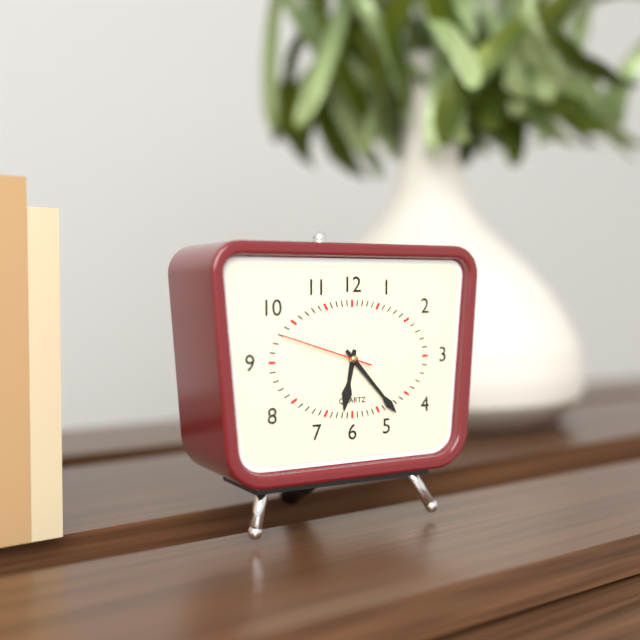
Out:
6 h 23 min 48 s
